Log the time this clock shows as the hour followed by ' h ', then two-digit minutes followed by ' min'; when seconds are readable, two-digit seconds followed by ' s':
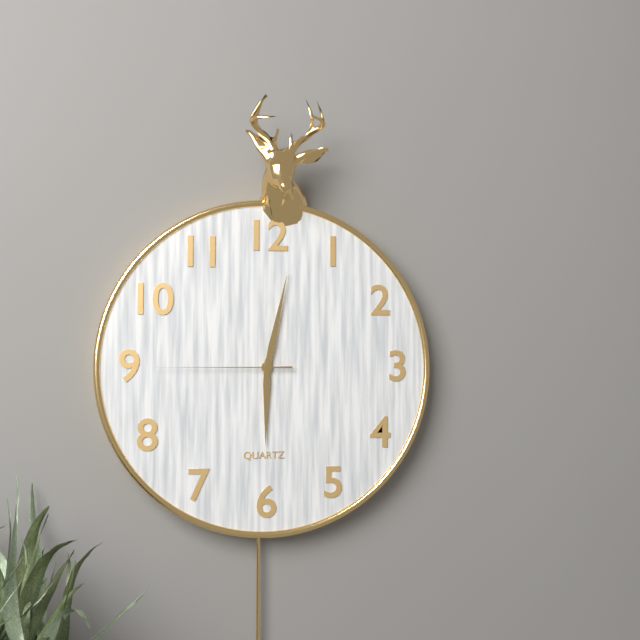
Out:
6 h 02 min 45 s
